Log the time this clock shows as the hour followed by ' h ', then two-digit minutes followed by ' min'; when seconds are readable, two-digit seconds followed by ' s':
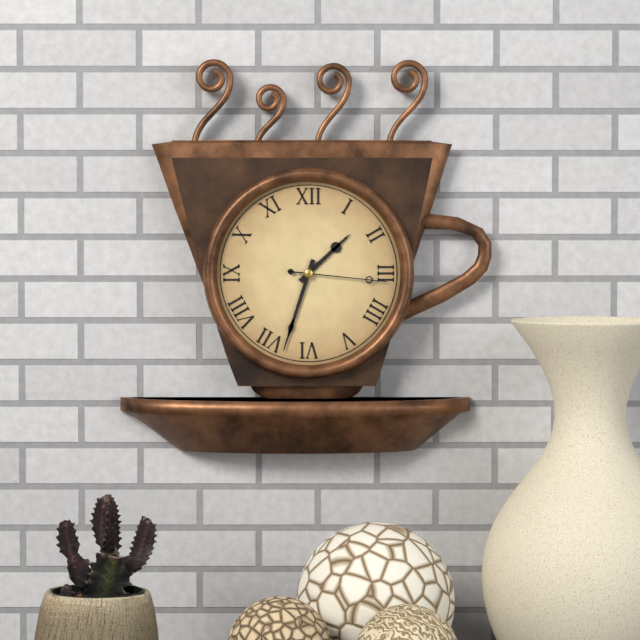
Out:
1 h 33 min 16 s
